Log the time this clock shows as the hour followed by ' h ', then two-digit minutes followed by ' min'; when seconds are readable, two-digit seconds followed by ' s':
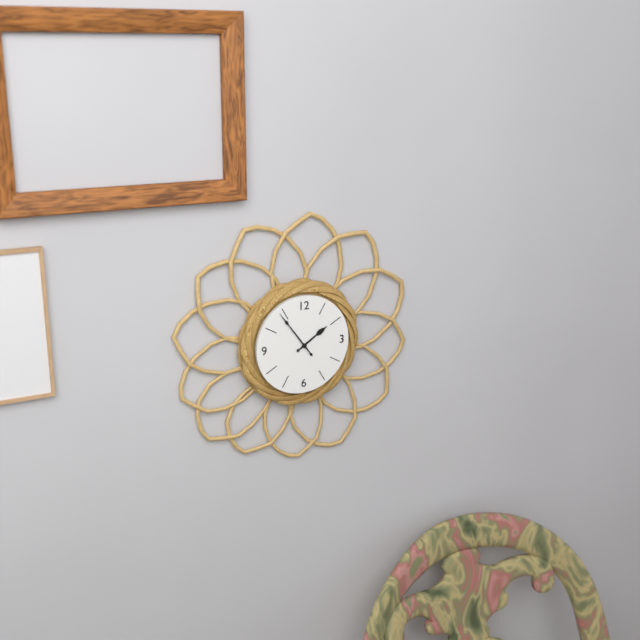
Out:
1 h 54 min
